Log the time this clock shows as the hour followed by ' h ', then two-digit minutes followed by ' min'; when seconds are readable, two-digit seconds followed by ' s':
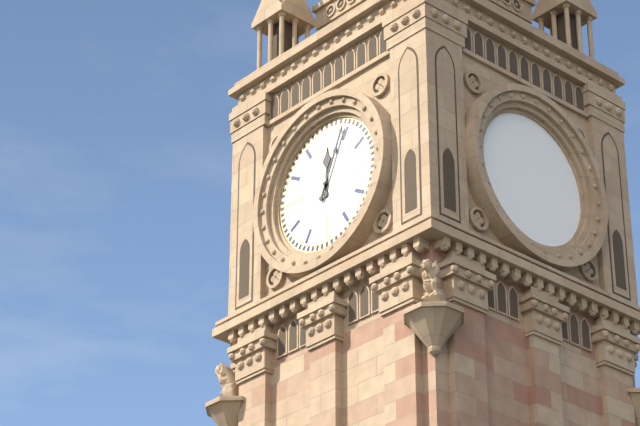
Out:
12 h 04 min
